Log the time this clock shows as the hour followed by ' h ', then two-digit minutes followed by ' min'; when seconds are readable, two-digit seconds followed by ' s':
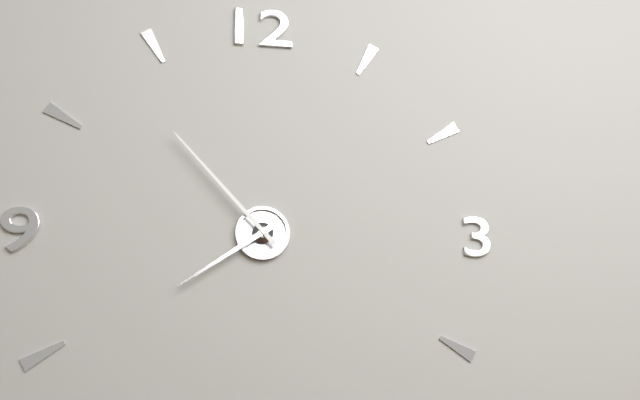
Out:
7 h 53 min
